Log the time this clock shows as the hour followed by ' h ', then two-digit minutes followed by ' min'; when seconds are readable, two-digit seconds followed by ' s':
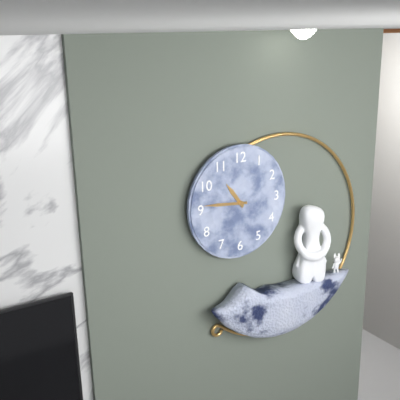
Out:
10 h 46 min
